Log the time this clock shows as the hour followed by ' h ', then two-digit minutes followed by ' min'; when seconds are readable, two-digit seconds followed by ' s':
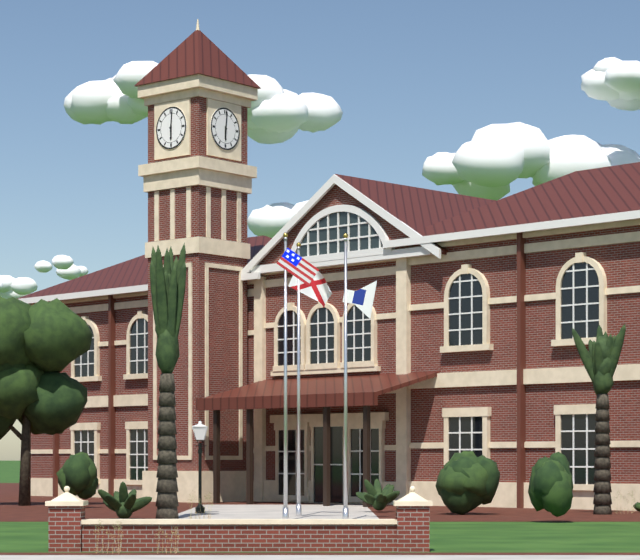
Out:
6 h 01 min
